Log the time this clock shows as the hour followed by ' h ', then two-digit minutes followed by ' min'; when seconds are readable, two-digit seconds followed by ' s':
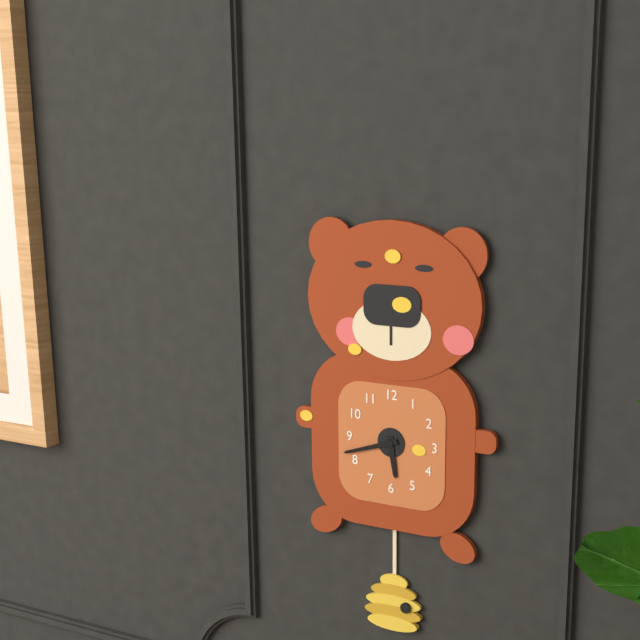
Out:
5 h 42 min
